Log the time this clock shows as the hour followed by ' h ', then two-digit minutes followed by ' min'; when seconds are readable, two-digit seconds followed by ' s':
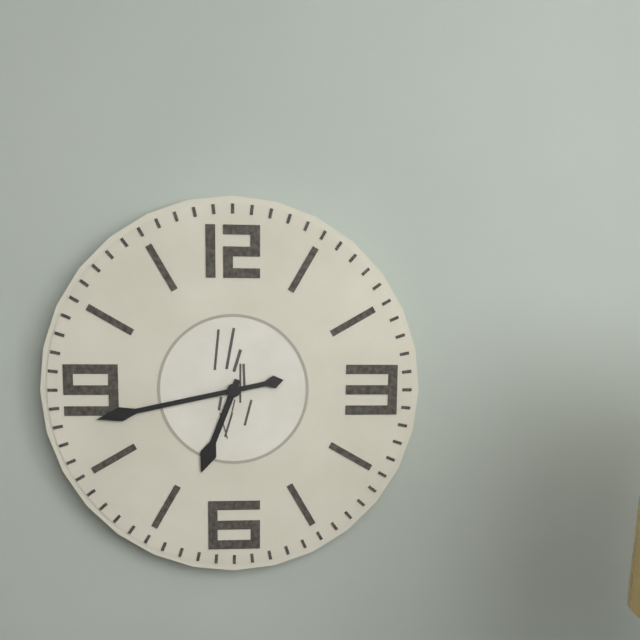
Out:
6 h 43 min
